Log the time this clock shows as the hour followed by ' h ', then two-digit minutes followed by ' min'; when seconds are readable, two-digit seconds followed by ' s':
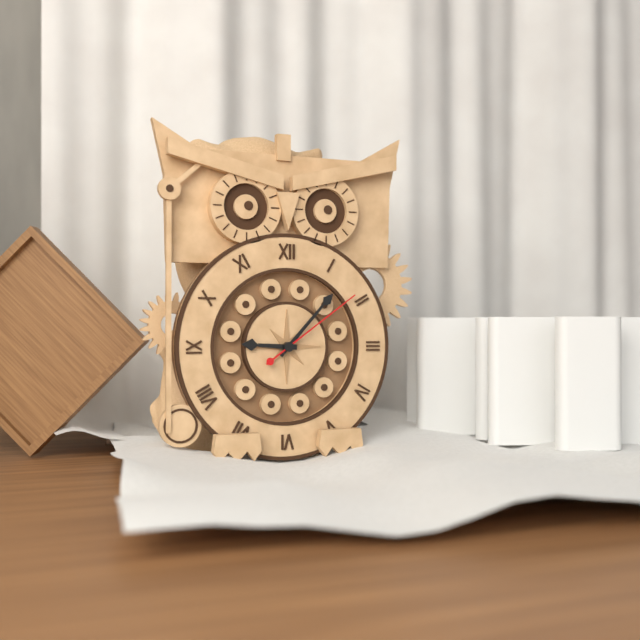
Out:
9 h 07 min 09 s
